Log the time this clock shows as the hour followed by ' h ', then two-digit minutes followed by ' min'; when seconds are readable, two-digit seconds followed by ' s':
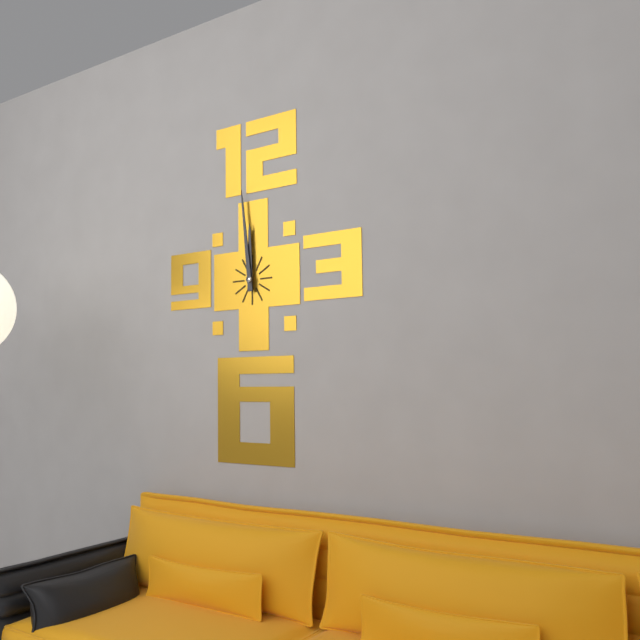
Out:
11 h 59 min
